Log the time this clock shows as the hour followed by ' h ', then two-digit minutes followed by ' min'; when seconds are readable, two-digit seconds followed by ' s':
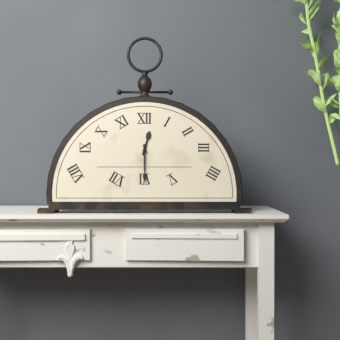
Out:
12 h 30 min
